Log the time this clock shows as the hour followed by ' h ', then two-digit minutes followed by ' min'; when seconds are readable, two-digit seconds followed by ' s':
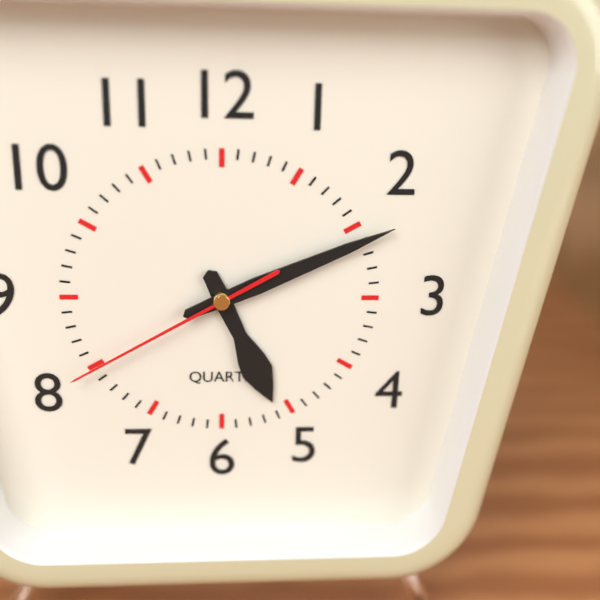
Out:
5 h 11 min 40 s
